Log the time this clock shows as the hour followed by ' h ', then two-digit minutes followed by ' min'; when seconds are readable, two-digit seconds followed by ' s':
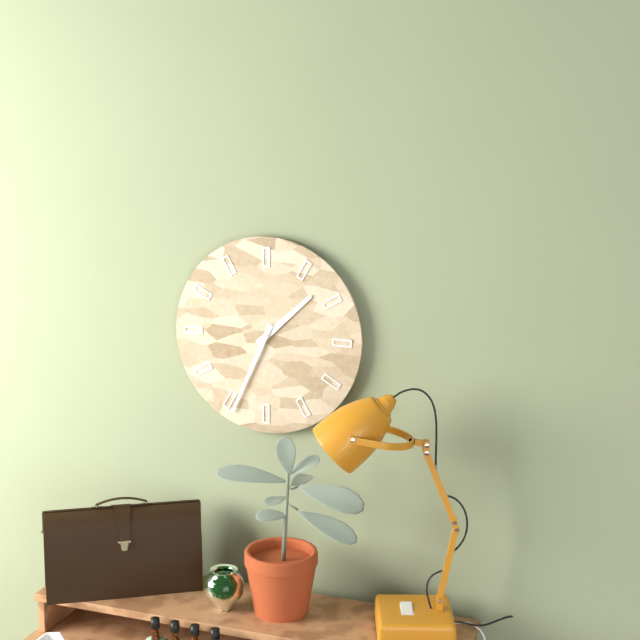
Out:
1 h 34 min
